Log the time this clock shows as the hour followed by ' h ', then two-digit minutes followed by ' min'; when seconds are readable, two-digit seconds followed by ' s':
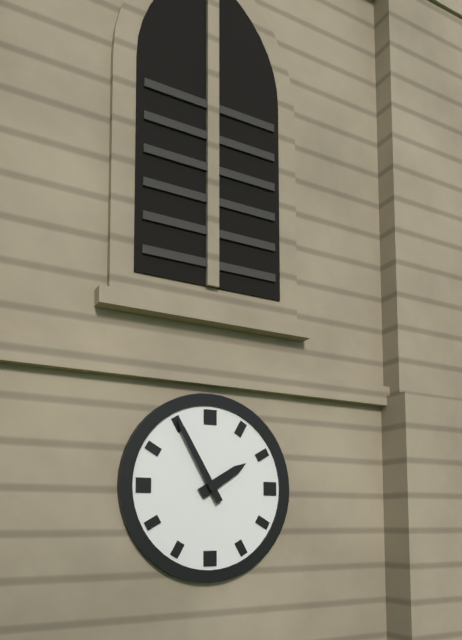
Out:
1 h 55 min
